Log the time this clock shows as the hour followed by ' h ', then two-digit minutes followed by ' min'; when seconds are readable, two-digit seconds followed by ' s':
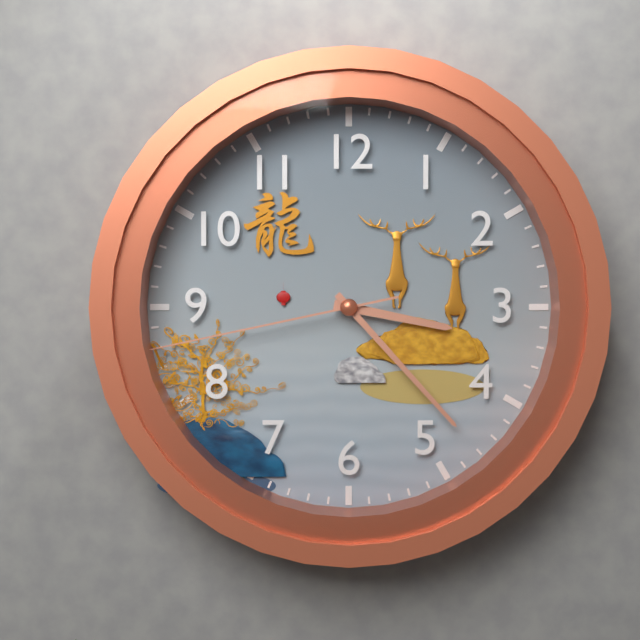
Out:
3 h 23 min 43 s
